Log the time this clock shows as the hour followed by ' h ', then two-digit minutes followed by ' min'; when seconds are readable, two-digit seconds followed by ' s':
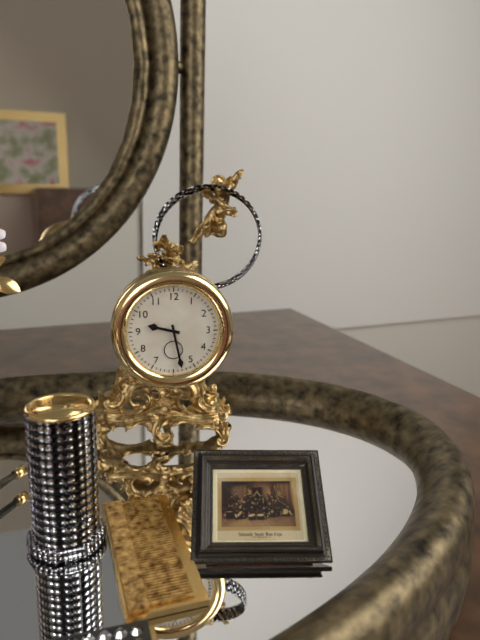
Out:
9 h 28 min
